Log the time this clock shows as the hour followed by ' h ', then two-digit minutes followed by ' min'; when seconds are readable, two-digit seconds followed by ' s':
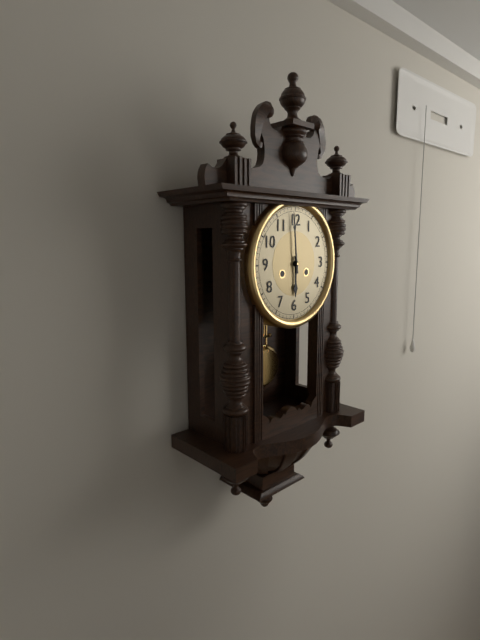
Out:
5 h 59 min
